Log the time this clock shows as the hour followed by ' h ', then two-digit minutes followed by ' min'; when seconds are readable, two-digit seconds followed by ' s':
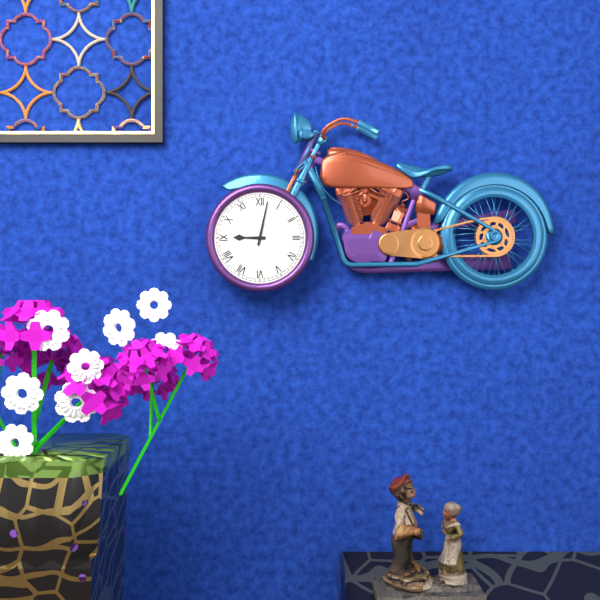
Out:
9 h 02 min
